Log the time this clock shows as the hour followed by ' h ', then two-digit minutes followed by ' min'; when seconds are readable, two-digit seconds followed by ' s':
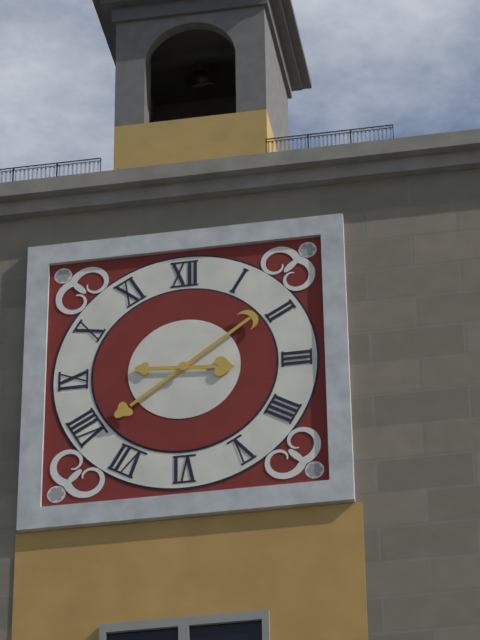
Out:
3 h 09 min
